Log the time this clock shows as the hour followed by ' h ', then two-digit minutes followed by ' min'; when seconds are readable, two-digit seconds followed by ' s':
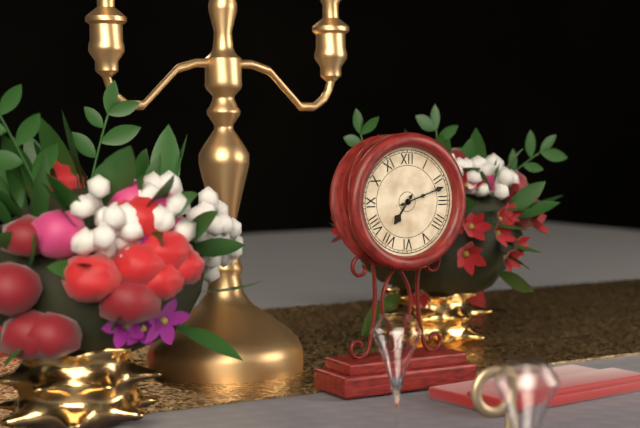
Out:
7 h 12 min
